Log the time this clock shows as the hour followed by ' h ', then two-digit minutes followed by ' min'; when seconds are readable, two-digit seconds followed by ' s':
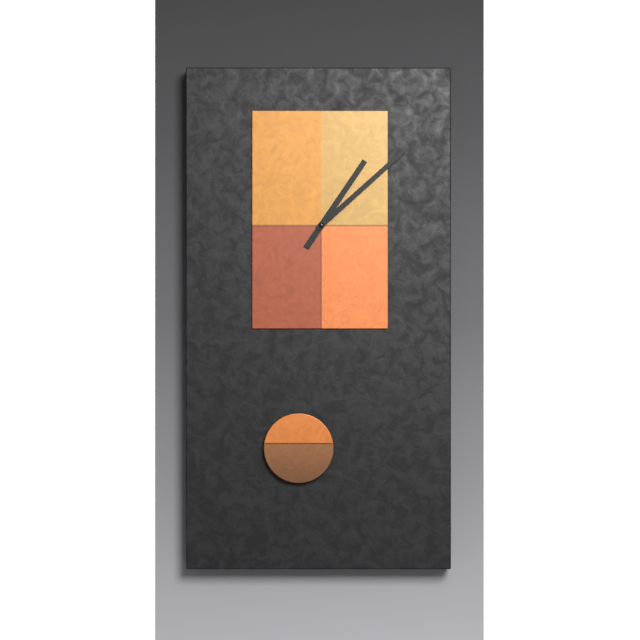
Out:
1 h 08 min
